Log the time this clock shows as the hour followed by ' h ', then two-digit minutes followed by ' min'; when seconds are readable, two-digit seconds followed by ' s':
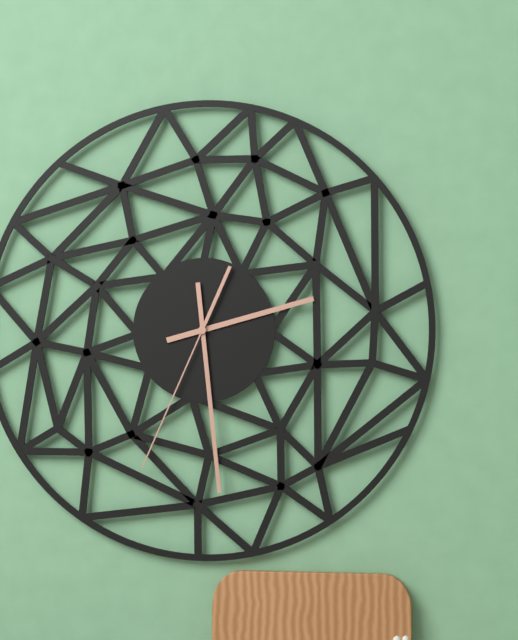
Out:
2 h 29 min 34 s
